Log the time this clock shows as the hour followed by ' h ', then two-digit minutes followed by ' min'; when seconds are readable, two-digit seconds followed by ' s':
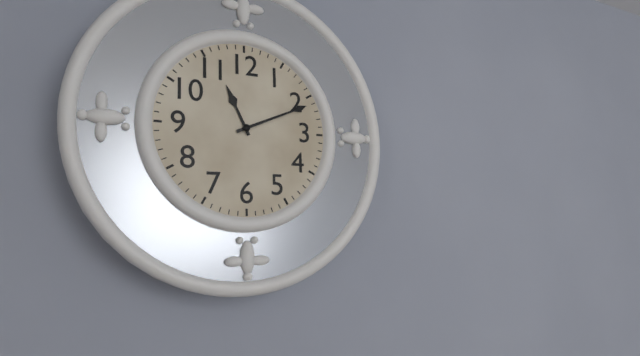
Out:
11 h 11 min
